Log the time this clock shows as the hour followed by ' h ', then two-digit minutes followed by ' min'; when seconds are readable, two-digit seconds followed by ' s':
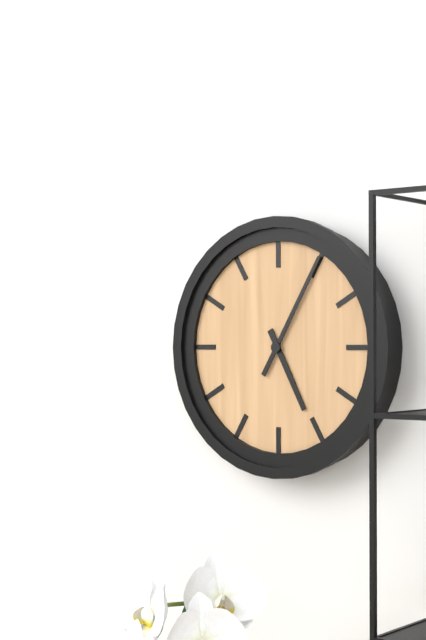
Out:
5 h 05 min
